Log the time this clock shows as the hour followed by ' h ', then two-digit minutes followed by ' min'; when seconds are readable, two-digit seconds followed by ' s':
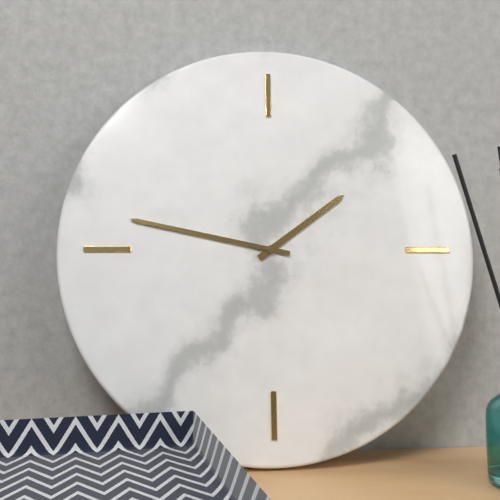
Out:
1 h 47 min
